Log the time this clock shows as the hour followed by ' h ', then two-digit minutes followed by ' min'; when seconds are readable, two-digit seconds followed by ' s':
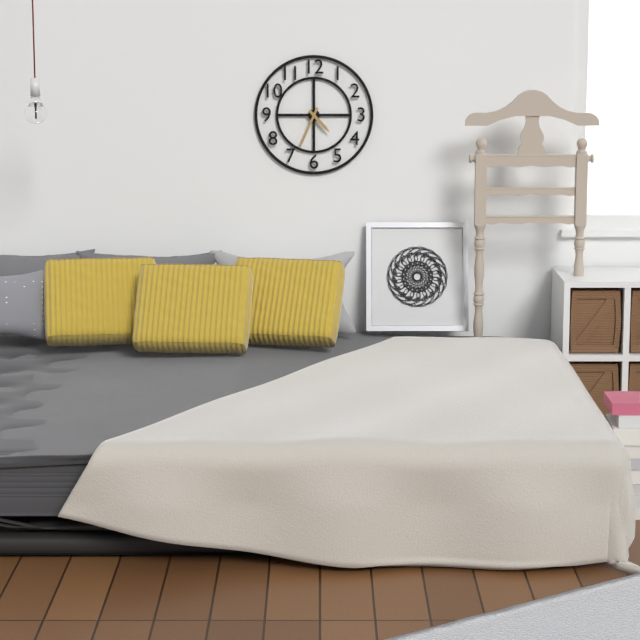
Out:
4 h 34 min
